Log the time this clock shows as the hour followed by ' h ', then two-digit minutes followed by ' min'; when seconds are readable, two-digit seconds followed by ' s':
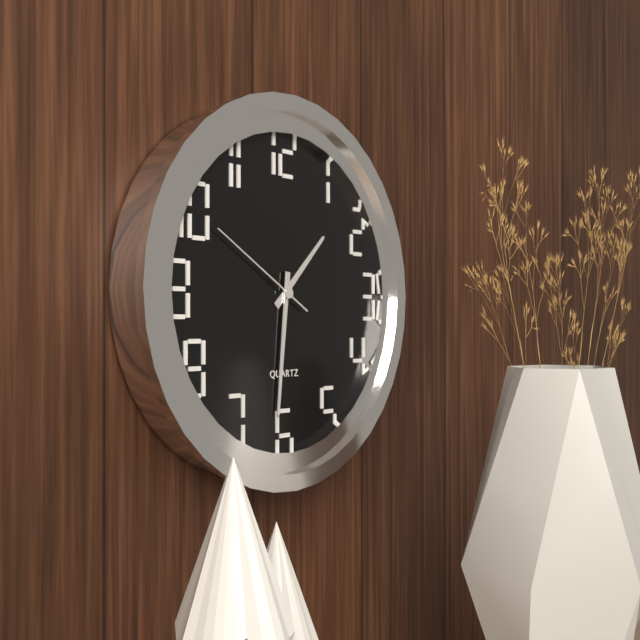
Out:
1 h 31 min 50 s
